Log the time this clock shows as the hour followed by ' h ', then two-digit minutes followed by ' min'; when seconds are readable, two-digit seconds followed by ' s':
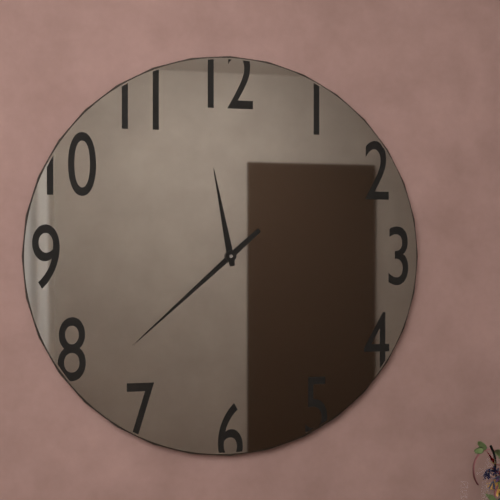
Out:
11 h 38 min
